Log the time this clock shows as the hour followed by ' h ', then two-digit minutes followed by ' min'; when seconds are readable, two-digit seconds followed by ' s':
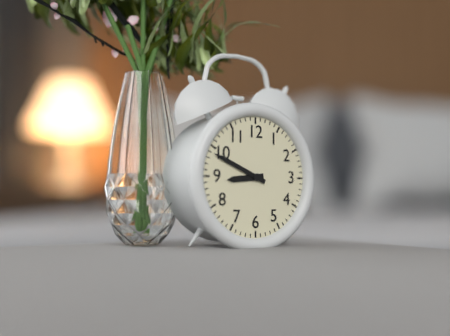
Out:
8 h 49 min
